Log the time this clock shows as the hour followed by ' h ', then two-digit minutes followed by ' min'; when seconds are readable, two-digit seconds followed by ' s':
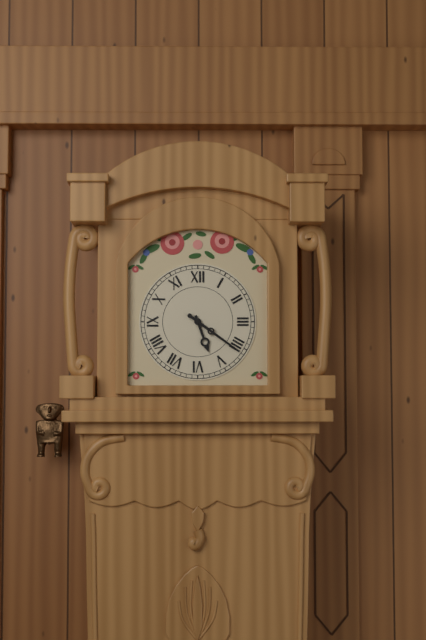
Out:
5 h 21 min
